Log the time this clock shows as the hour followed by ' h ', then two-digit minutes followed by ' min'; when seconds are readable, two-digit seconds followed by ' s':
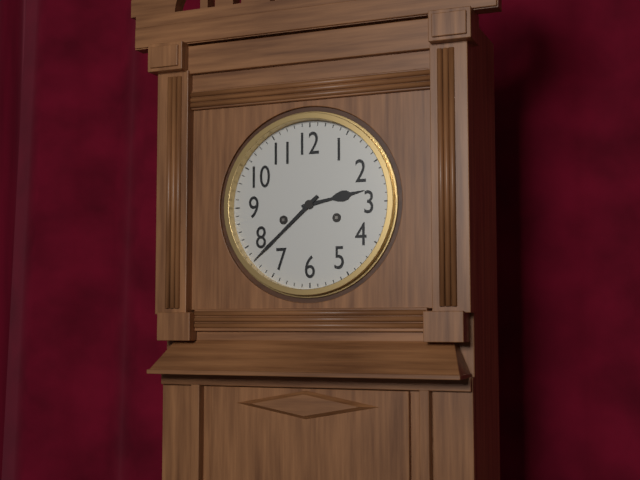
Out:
2 h 38 min
